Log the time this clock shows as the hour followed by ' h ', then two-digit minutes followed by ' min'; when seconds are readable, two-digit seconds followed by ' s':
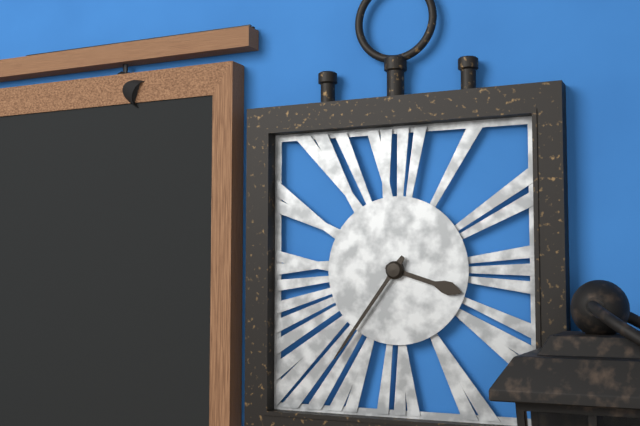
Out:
3 h 36 min
